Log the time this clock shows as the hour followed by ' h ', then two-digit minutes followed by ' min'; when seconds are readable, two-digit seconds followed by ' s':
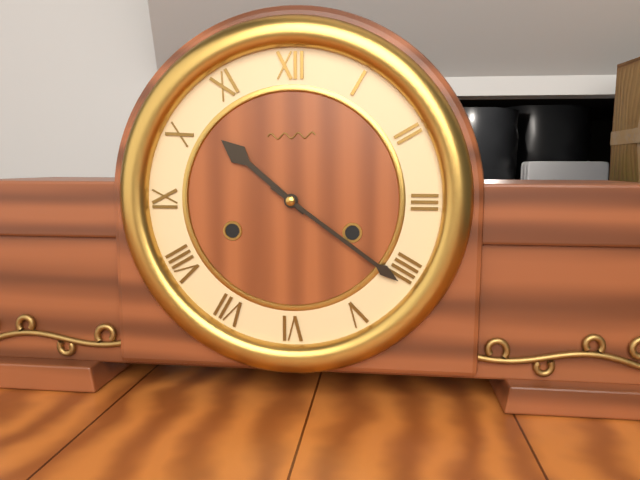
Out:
10 h 21 min
